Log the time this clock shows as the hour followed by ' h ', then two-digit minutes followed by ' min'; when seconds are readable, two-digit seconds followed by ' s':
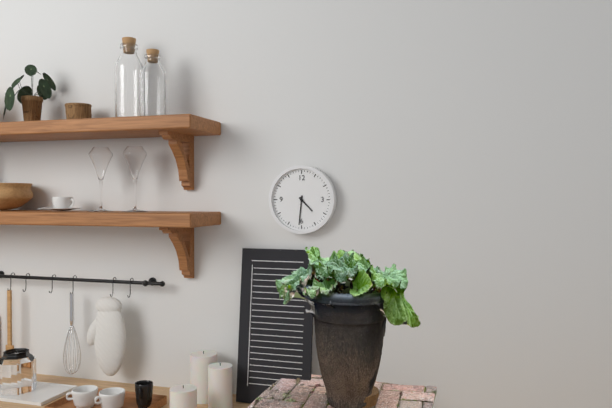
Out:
4 h 31 min
